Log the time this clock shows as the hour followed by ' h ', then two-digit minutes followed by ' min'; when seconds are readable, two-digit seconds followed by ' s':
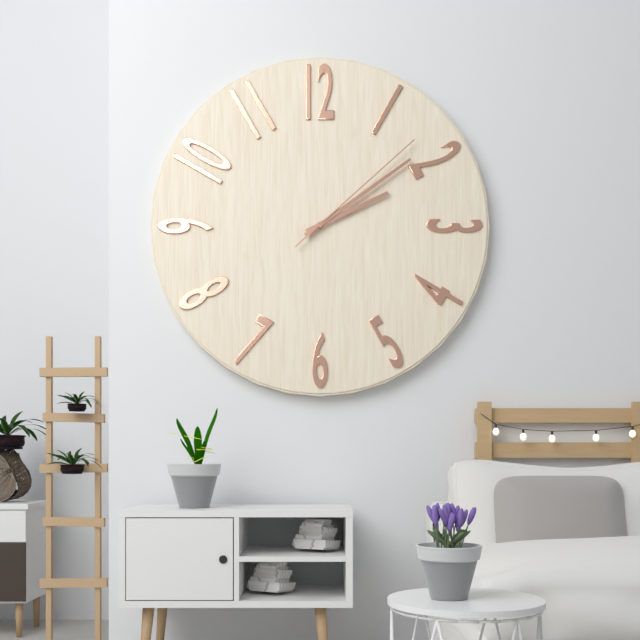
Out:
2 h 09 min 08 s
